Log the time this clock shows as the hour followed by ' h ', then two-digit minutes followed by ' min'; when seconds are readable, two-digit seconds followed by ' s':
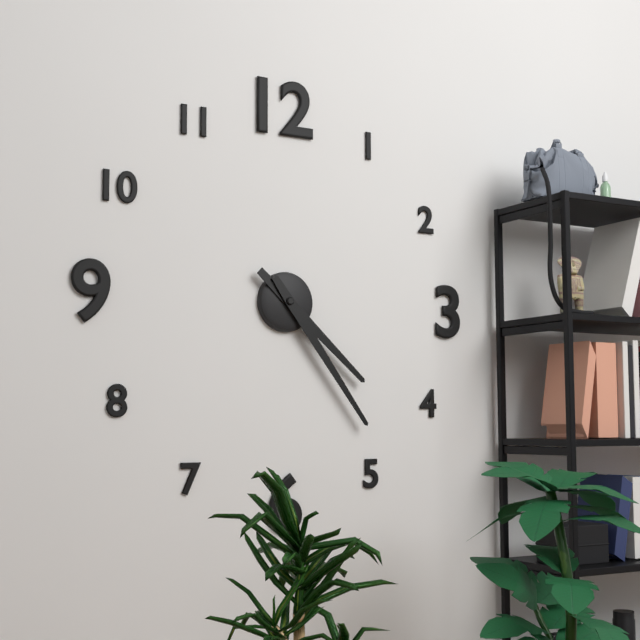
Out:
4 h 24 min
